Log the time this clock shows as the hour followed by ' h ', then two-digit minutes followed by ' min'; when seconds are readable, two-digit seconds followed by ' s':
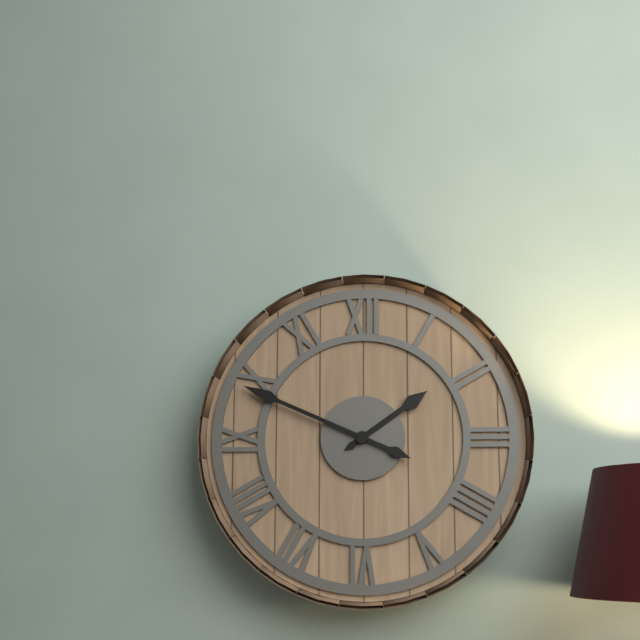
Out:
1 h 49 min
